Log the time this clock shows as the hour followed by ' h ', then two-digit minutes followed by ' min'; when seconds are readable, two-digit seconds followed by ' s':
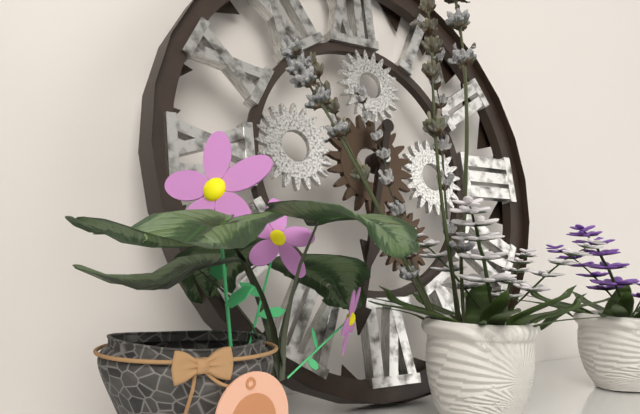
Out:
6 h 33 min
